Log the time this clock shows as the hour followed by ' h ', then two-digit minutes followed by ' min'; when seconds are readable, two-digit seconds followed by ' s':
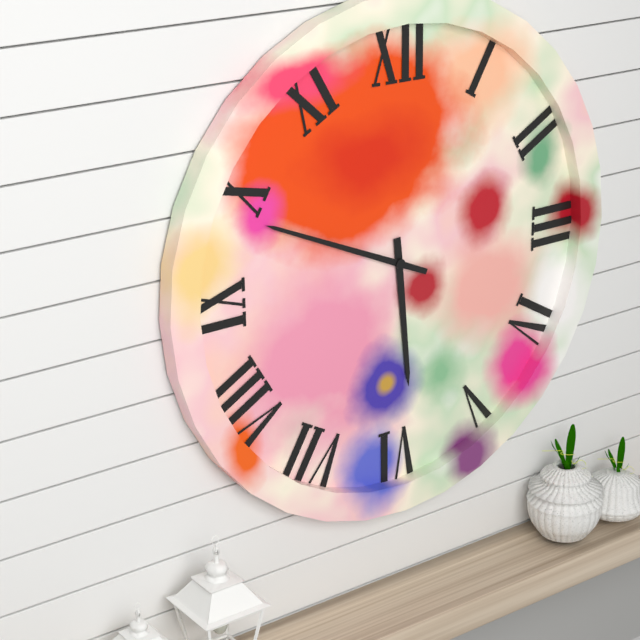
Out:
5 h 49 min
